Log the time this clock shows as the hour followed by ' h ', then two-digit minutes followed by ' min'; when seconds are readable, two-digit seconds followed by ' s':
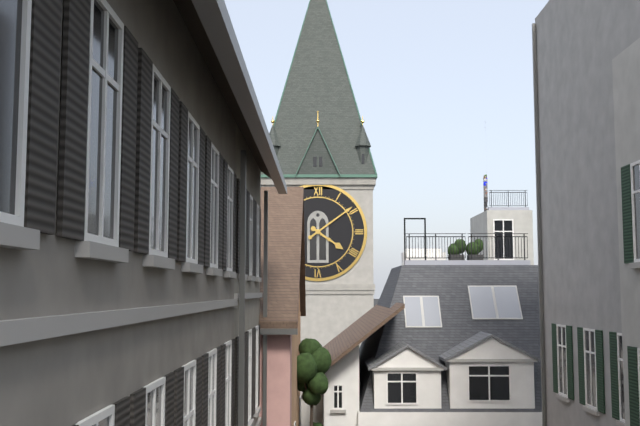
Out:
4 h 09 min
